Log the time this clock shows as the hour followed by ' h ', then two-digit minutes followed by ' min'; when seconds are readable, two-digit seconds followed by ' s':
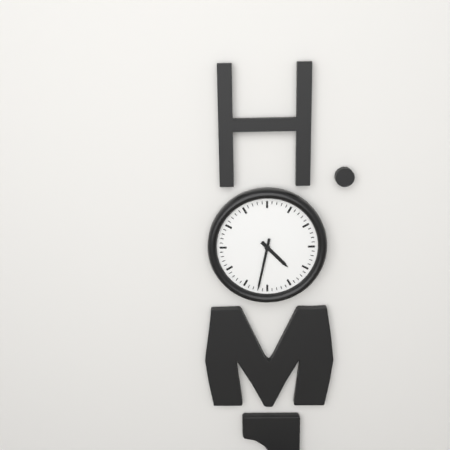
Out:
4 h 32 min
